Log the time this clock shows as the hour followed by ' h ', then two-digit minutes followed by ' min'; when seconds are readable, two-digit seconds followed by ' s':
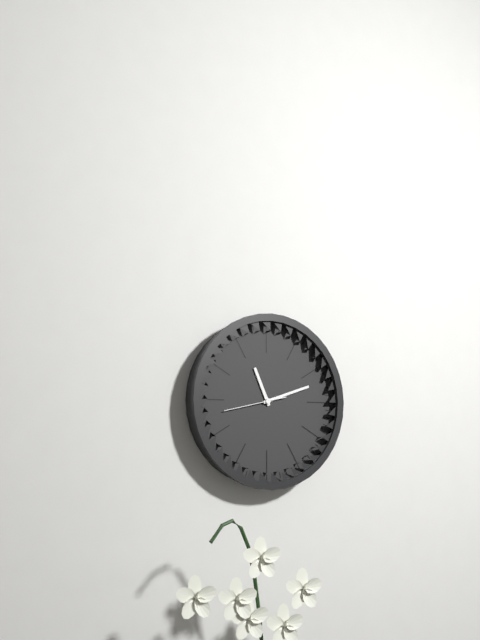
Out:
11 h 12 min 43 s
